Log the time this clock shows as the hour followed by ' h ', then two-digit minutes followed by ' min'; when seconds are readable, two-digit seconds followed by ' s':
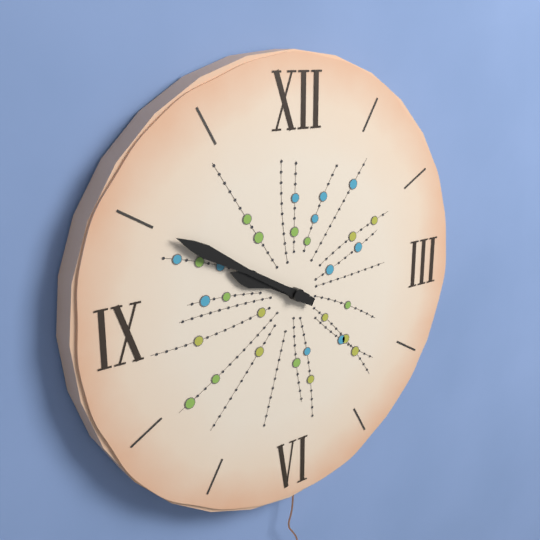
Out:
9 h 50 min
